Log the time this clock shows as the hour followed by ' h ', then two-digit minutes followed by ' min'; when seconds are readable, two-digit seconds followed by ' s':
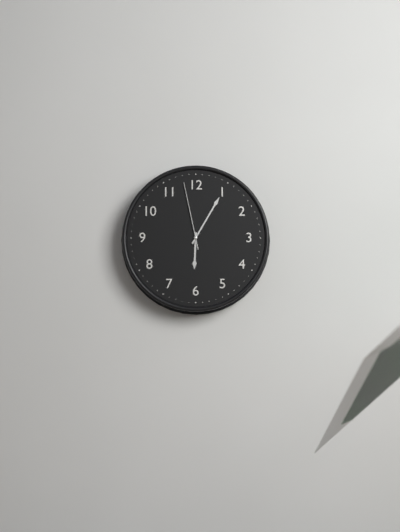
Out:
6 h 05 min 58 s
